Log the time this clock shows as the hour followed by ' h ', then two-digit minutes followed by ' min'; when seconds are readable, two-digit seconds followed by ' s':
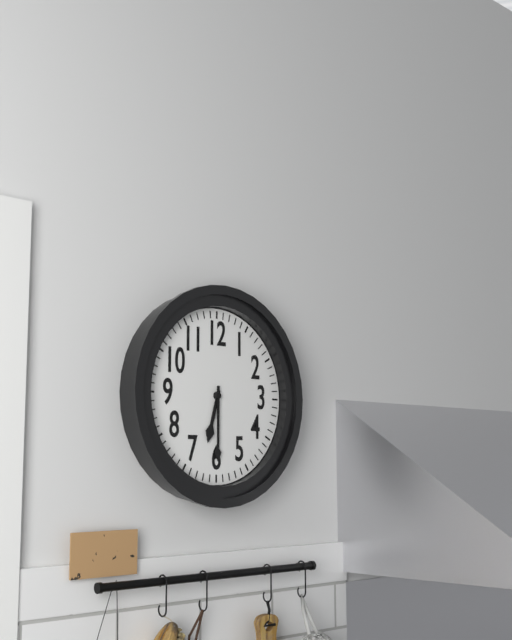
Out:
6 h 30 min
